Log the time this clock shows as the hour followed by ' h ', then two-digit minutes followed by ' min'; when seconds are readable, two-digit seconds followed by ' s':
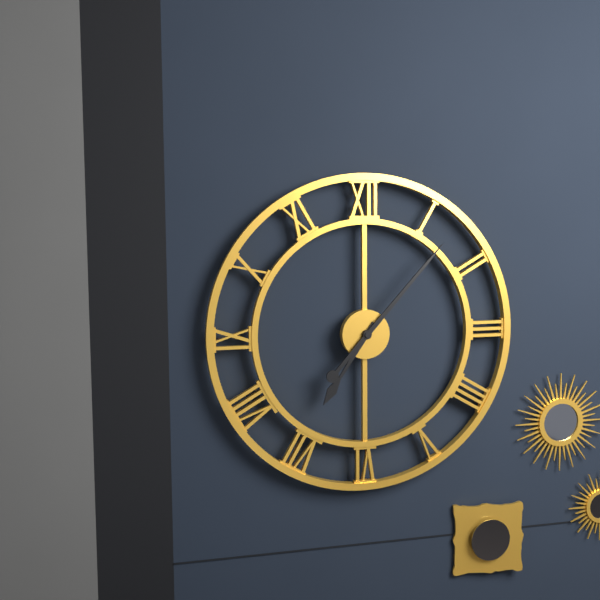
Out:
7 h 07 min
